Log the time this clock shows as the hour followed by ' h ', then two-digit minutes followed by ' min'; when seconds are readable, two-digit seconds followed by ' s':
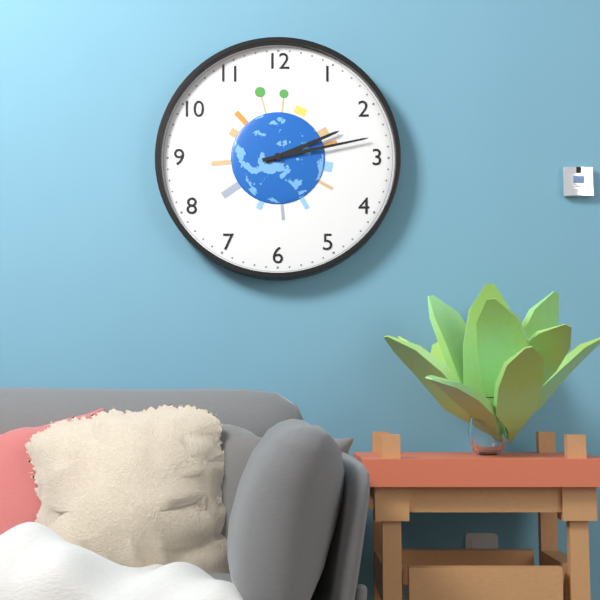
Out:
2 h 13 min
